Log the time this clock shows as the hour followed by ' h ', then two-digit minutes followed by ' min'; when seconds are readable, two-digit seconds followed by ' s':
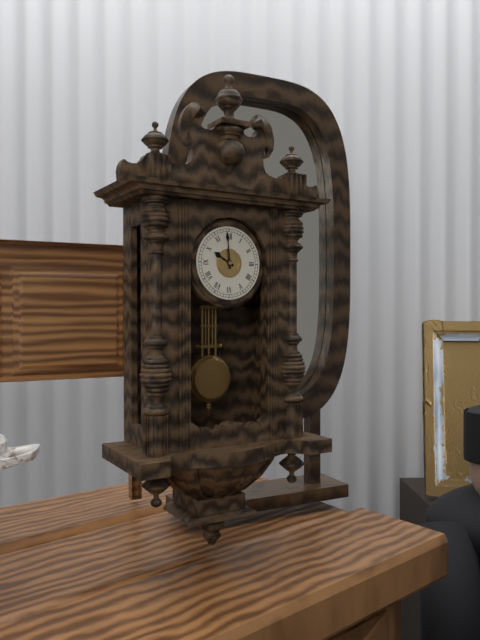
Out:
9 h 59 min
